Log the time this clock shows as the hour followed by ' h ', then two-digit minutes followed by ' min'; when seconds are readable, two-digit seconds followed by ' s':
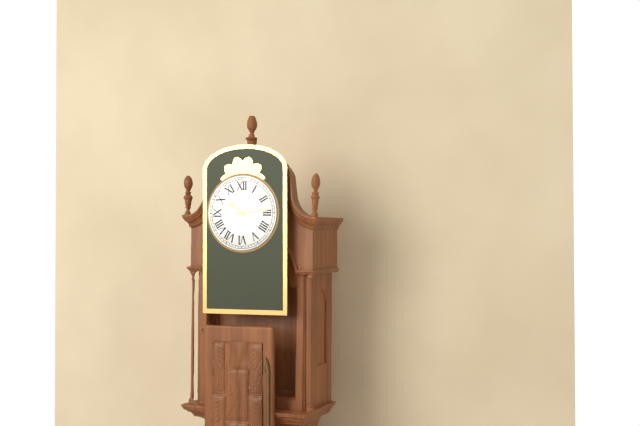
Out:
10 h 14 min
